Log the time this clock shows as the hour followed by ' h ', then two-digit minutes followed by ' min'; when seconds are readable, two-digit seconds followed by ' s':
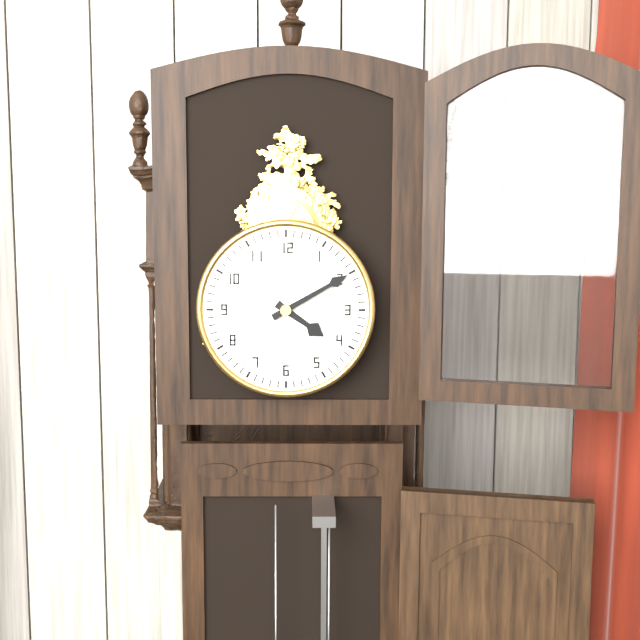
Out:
4 h 10 min
